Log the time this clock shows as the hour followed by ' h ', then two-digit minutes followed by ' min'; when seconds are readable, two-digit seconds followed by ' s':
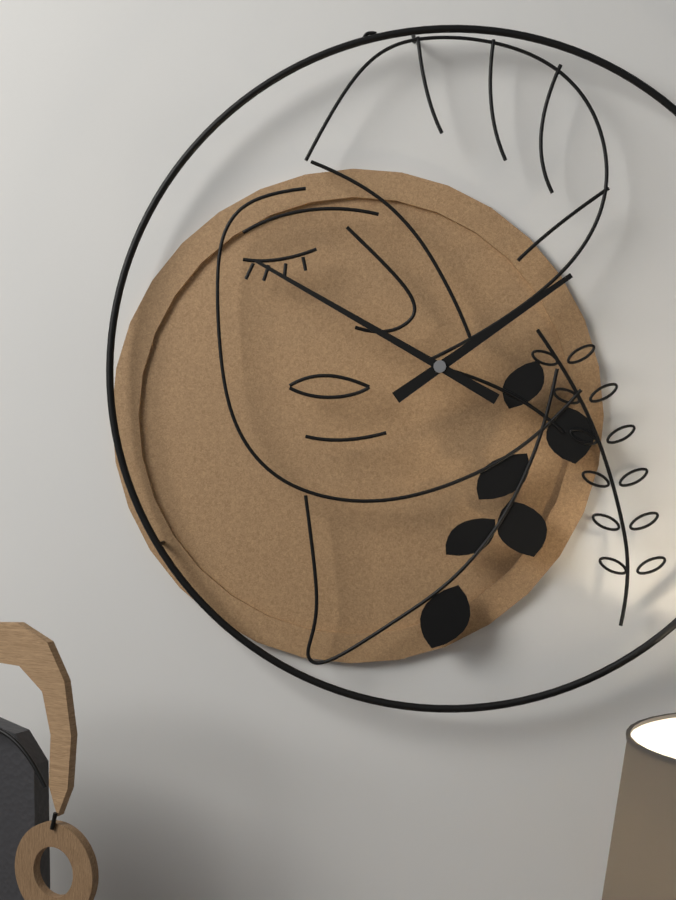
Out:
1 h 50 min
